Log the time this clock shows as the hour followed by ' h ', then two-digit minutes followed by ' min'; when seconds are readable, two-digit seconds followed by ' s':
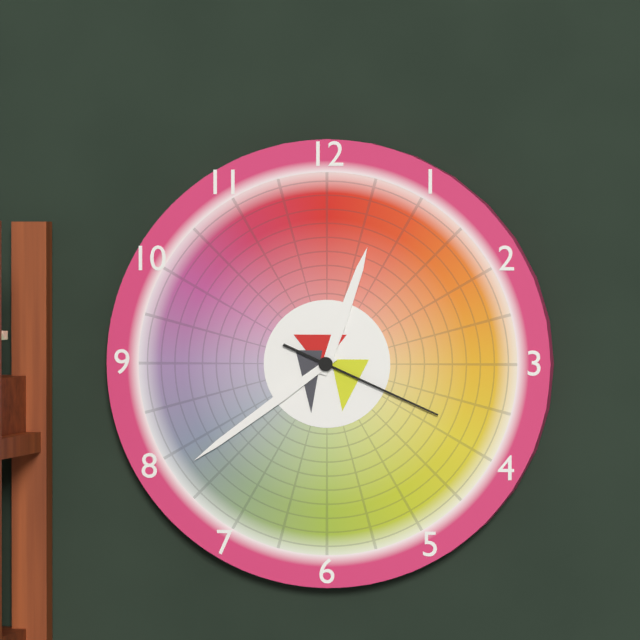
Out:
12 h 39 min 19 s
